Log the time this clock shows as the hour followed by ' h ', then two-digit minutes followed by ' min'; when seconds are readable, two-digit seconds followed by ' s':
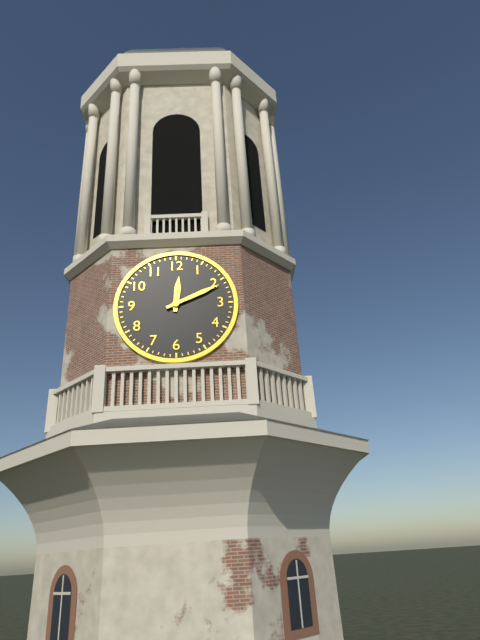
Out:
12 h 11 min
